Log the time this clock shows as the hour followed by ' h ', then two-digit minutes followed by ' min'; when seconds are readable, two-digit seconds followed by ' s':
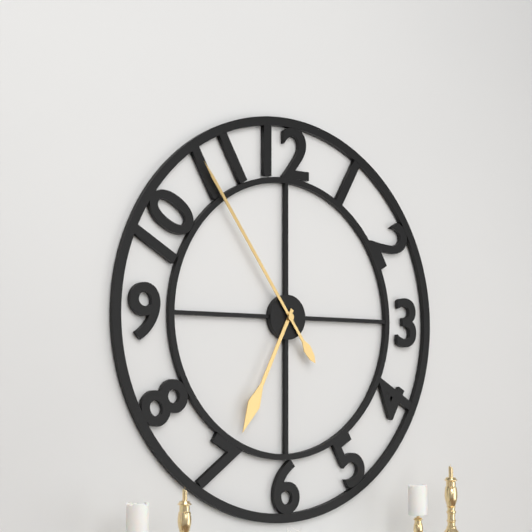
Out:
6 h 54 min
